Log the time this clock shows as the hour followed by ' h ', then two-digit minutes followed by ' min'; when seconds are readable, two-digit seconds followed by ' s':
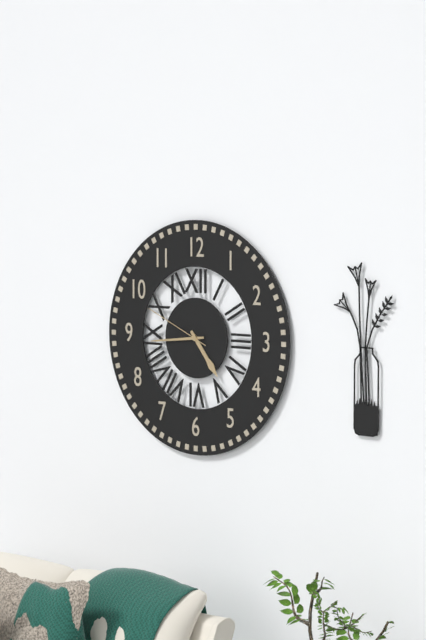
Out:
4 h 44 min 49 s
